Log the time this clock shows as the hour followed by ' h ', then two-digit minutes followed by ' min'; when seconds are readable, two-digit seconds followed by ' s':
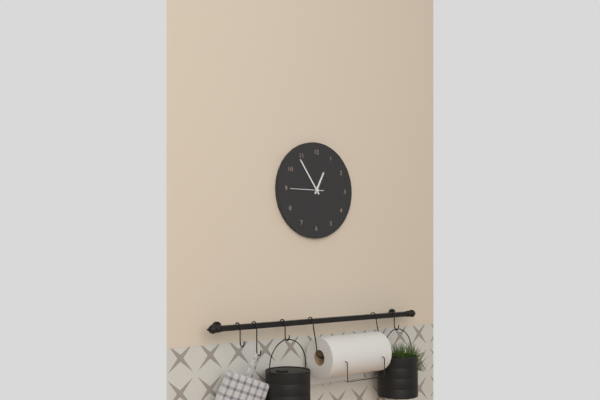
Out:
12 h 54 min
